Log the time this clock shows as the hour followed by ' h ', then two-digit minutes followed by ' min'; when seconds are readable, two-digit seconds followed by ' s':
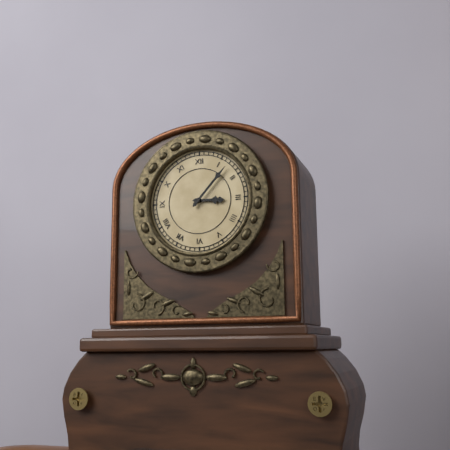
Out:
3 h 07 min
